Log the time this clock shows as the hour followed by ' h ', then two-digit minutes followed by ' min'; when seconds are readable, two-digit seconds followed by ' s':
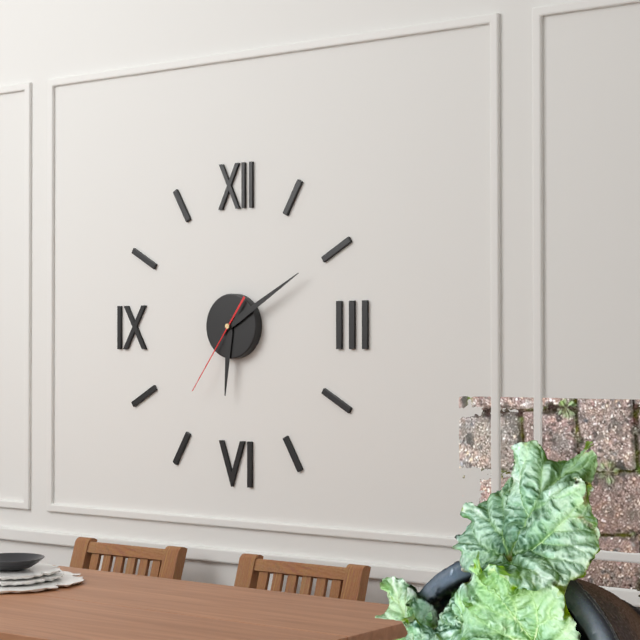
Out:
6 h 10 min 36 s
